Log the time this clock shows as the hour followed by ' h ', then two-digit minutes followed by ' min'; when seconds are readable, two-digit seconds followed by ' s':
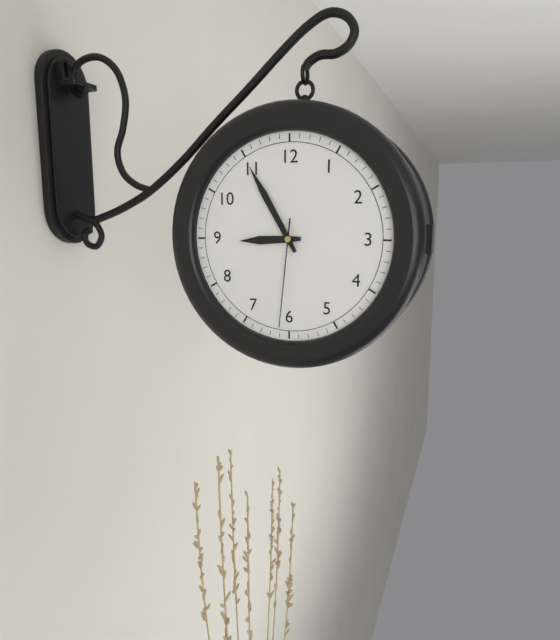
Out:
8 h 55 min 31 s
